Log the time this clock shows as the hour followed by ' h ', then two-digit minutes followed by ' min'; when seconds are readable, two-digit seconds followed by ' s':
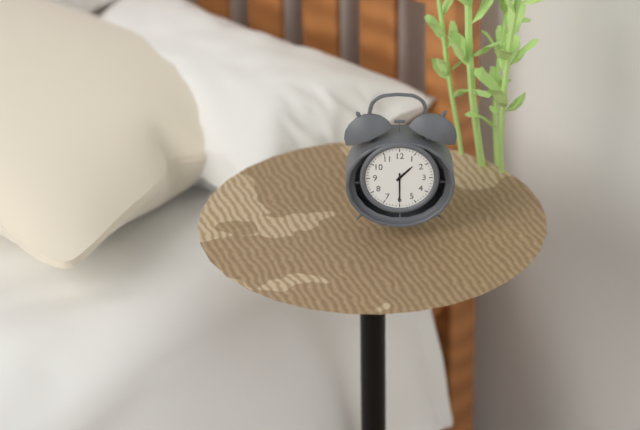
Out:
1 h 30 min
